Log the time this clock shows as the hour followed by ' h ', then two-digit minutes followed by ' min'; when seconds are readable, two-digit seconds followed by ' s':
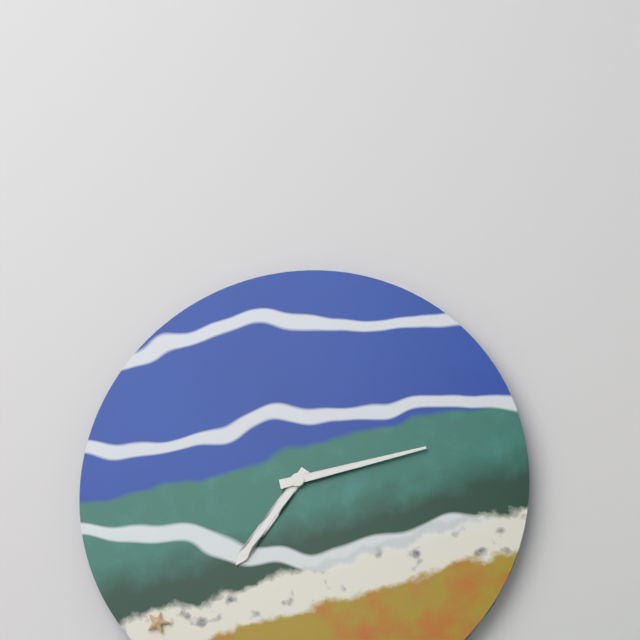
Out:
7 h 13 min
